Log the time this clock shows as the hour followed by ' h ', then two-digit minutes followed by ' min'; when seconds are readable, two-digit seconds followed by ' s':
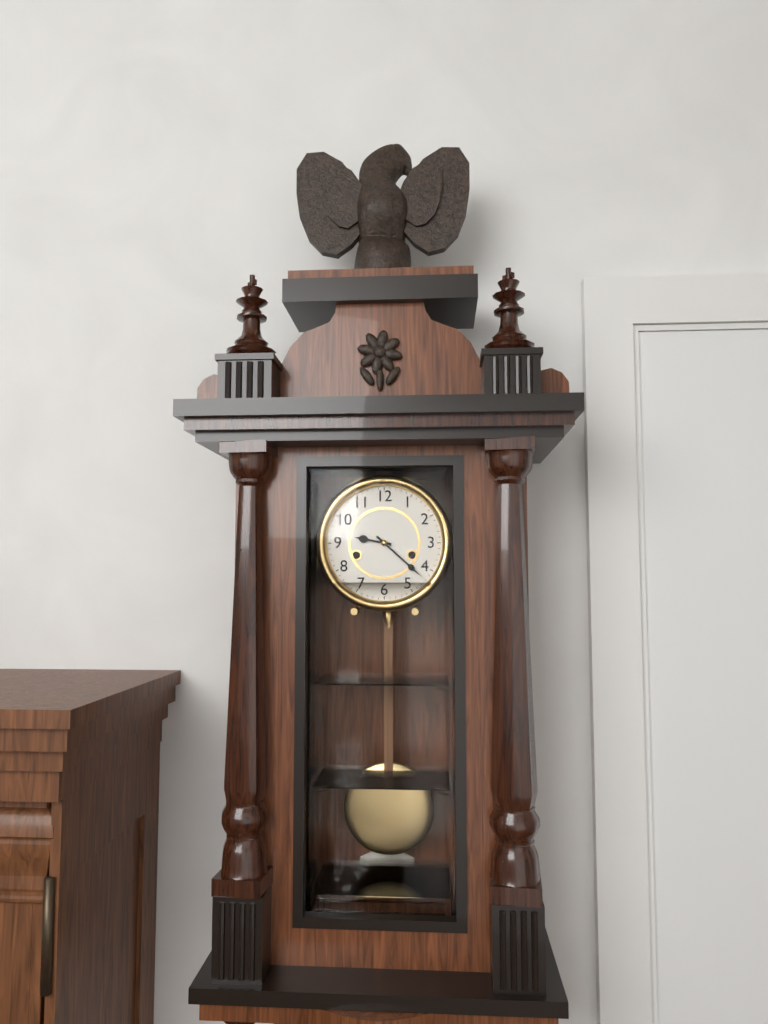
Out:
9 h 22 min
